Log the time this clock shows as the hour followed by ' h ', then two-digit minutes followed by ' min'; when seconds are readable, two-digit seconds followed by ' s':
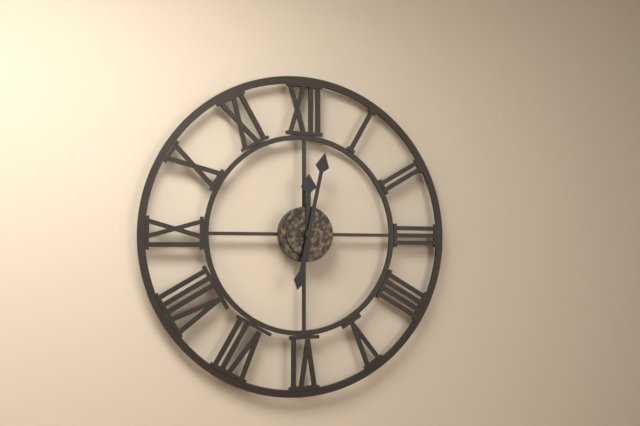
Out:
12 h 02 min
